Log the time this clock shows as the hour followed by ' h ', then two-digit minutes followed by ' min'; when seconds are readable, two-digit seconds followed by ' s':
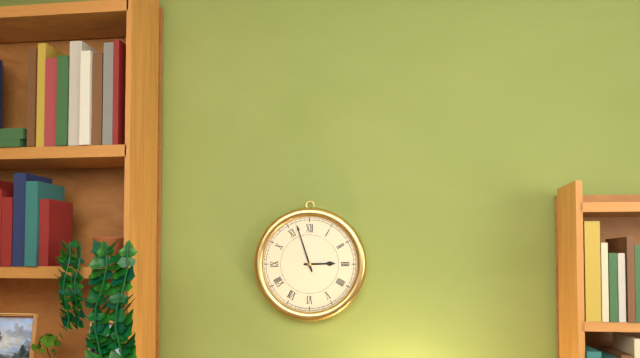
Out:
2 h 57 min
